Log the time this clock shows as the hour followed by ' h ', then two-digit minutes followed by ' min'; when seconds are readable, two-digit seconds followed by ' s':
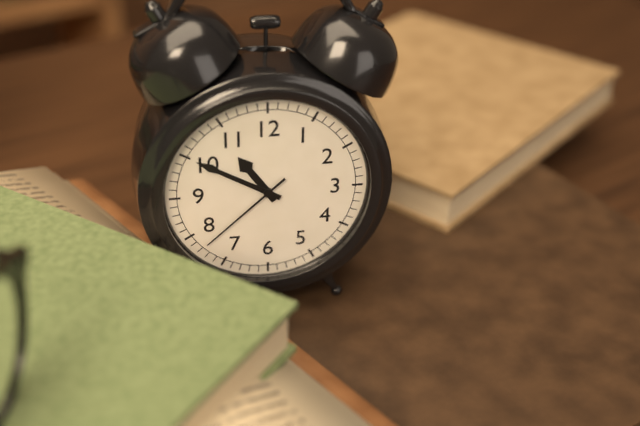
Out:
10 h 50 min 38 s
